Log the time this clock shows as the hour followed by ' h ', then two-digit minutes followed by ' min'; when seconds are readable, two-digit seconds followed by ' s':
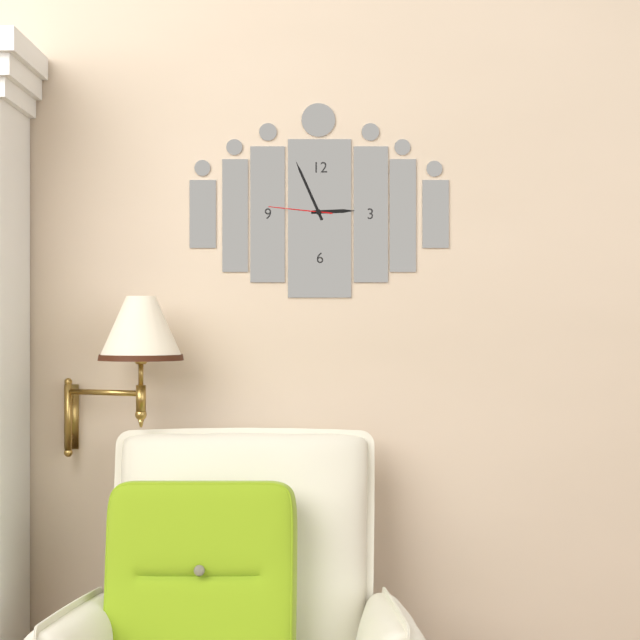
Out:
2 h 56 min 46 s
